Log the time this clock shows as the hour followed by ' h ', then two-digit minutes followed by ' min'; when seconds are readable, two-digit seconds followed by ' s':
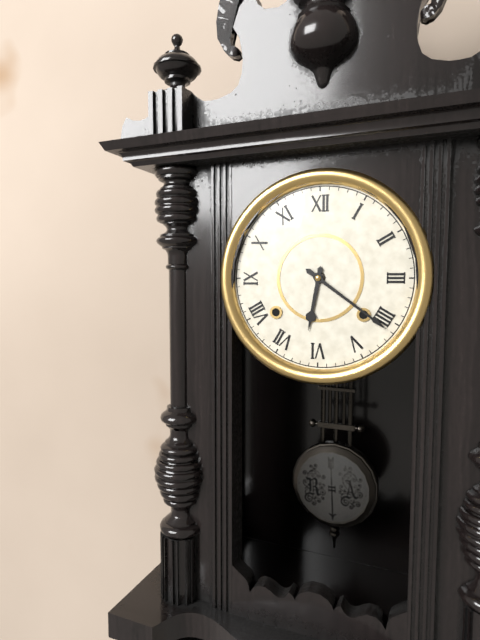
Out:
6 h 21 min
